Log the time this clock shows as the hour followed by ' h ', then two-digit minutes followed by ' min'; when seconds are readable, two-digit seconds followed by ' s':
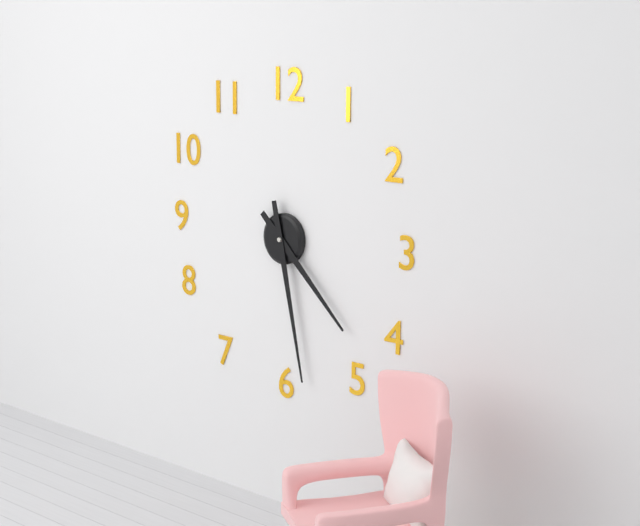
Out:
4 h 28 min
